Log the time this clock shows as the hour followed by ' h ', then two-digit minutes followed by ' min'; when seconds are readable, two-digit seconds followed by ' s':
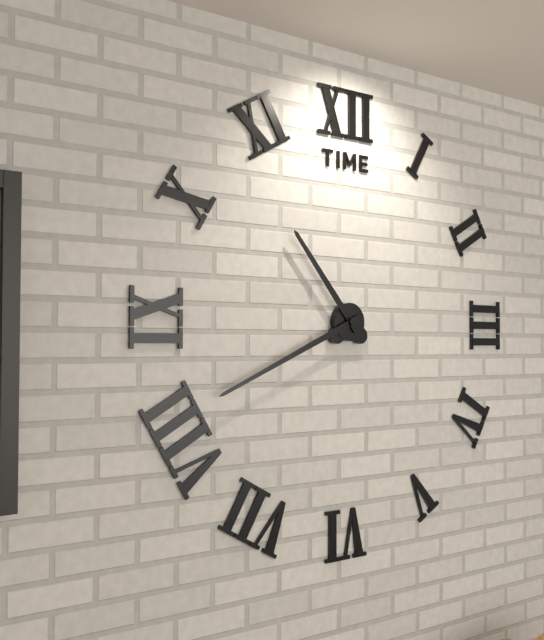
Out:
10 h 41 min
